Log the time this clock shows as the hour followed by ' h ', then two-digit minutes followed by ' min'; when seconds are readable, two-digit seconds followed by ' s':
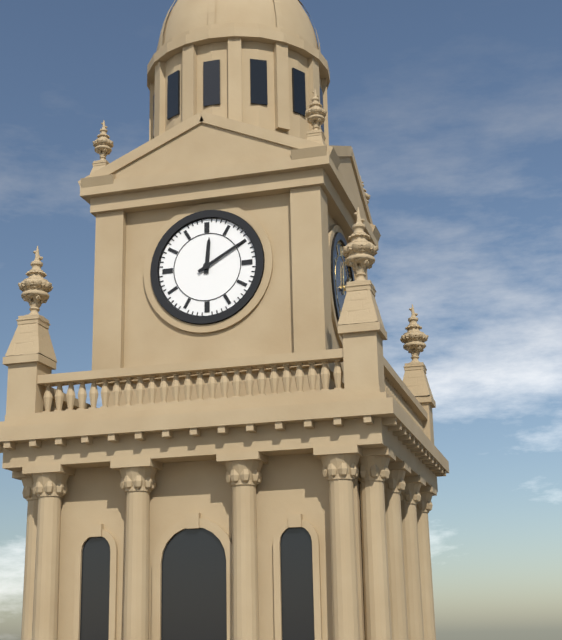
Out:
12 h 10 min
